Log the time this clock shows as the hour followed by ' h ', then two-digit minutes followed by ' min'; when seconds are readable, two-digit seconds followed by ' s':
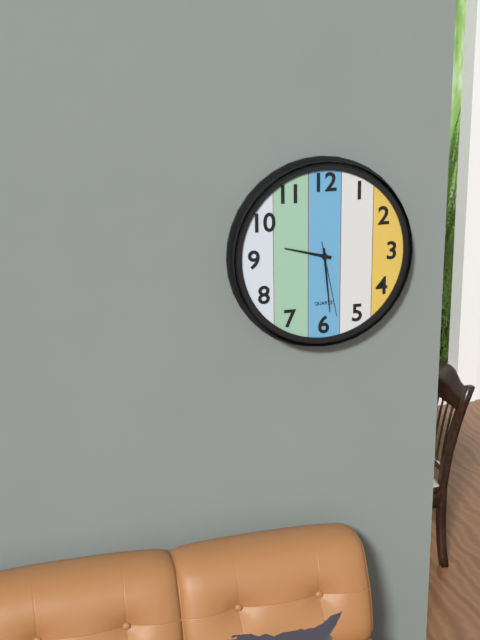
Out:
9 h 29 min 28 s
